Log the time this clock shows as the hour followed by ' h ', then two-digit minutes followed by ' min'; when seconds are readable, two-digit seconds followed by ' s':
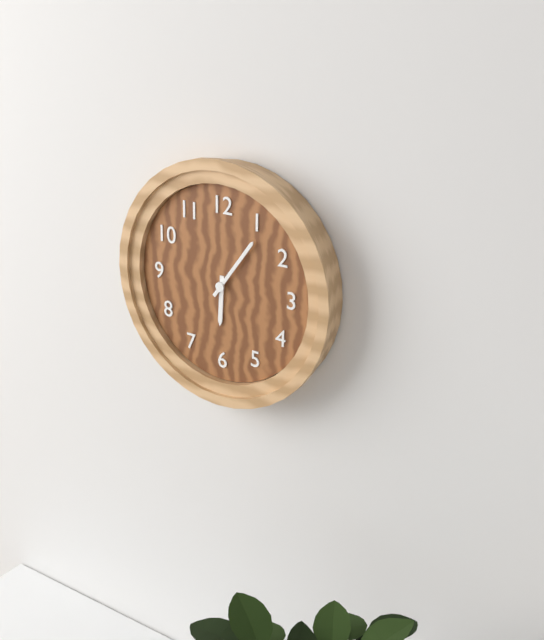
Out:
6 h 06 min
